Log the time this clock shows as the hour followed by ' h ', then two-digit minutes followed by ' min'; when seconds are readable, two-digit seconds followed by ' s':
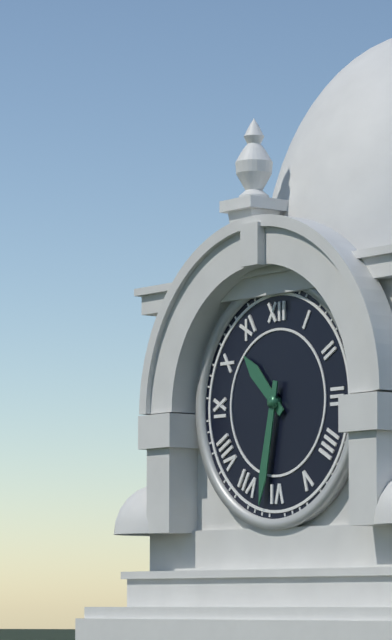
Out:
10 h 32 min
